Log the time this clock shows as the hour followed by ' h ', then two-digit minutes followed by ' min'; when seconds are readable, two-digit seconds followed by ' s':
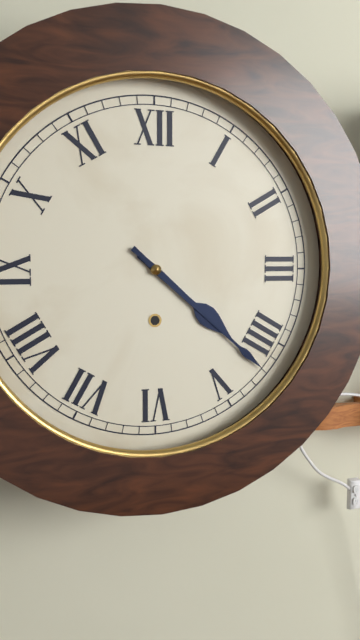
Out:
4 h 22 min
